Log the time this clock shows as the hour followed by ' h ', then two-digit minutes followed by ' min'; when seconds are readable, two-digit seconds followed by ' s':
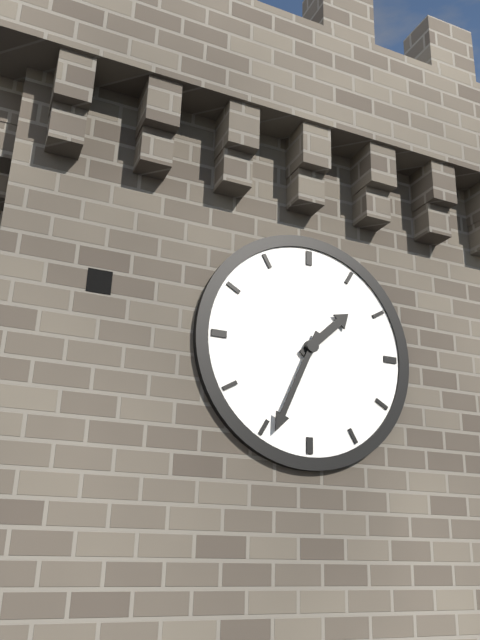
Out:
1 h 34 min
